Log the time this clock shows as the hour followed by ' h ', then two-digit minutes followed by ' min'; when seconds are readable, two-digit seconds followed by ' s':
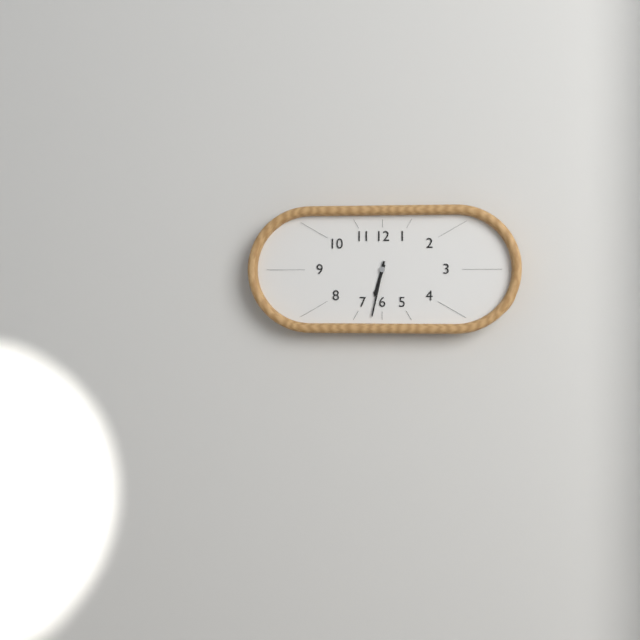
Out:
6 h 32 min
